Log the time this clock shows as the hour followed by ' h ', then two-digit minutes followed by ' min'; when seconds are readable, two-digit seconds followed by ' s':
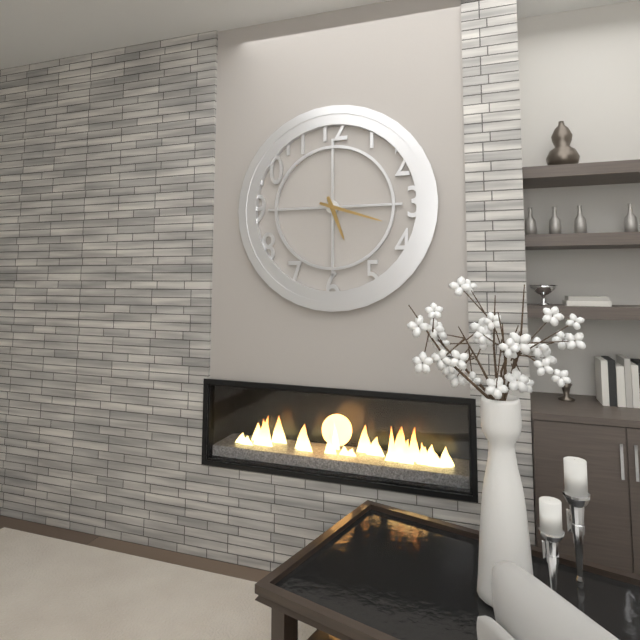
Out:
5 h 18 min
